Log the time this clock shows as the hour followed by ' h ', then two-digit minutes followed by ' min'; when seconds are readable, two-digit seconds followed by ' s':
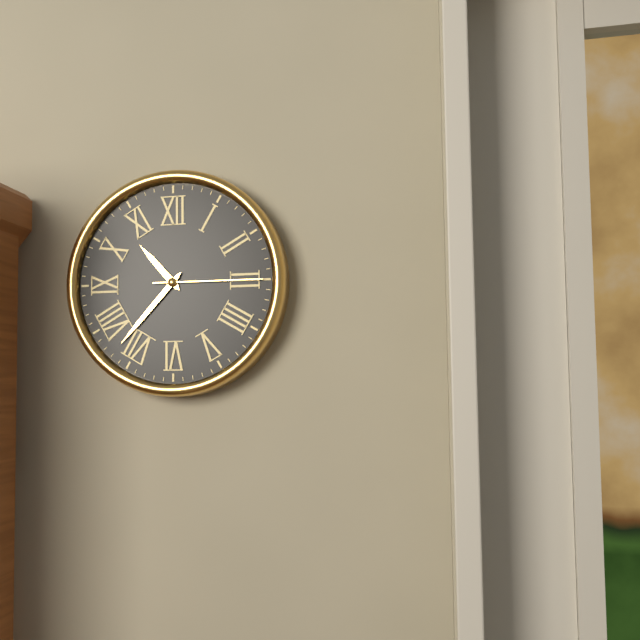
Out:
10 h 37 min 15 s
